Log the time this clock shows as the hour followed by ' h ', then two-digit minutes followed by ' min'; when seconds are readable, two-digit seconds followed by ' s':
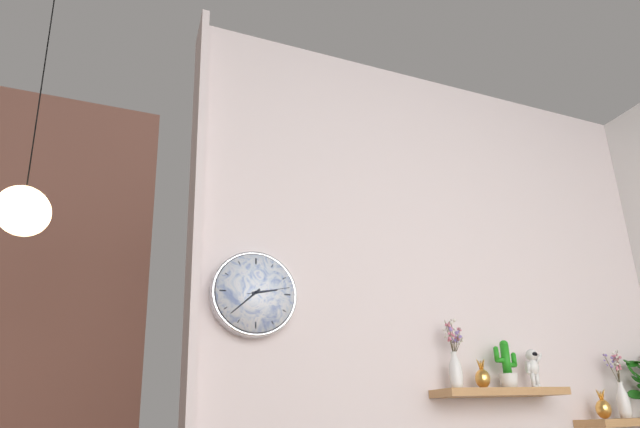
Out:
2 h 38 min
